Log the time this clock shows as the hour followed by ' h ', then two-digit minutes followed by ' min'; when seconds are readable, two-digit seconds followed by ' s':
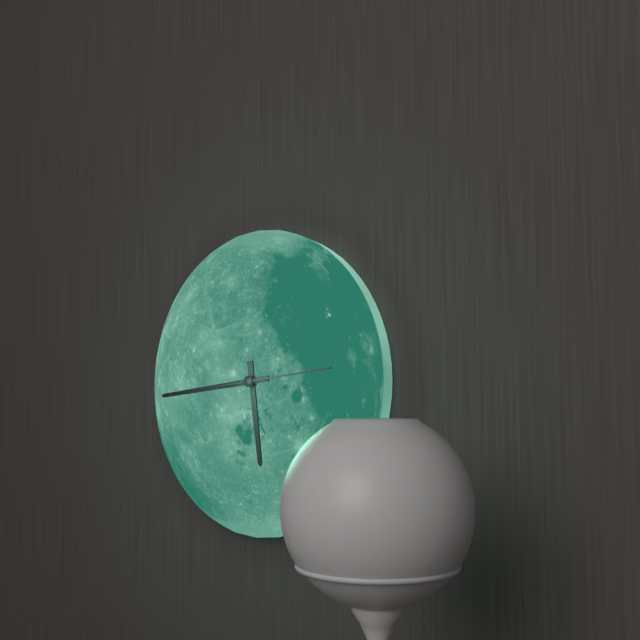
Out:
5 h 44 min 14 s
